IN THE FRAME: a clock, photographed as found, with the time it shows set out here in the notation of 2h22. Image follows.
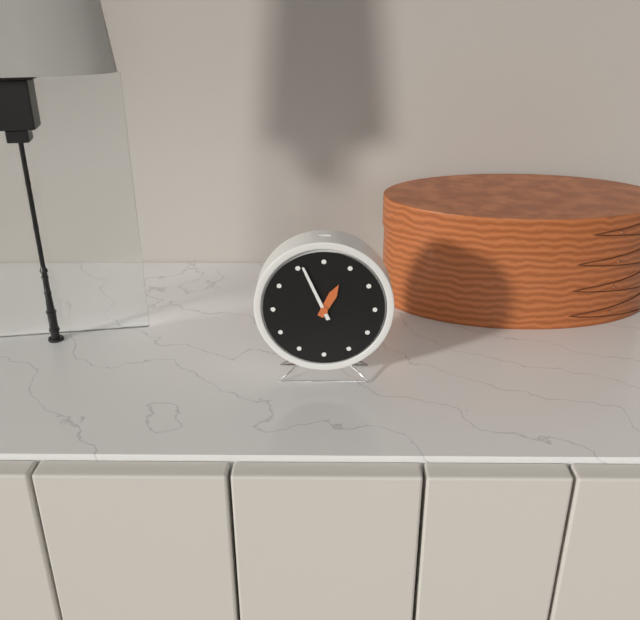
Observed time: 12h56
